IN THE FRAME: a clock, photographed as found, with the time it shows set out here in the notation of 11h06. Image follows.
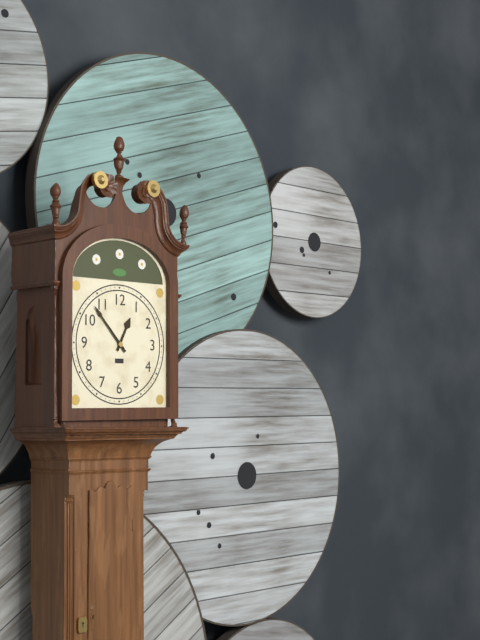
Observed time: 12h53
